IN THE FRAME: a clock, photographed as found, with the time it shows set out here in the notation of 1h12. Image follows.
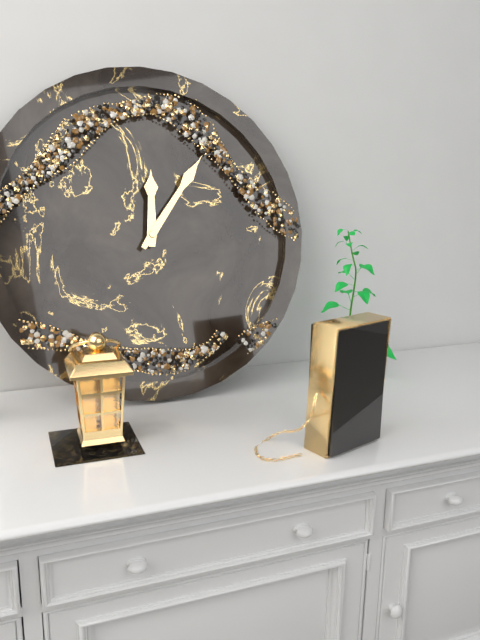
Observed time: 12h06
